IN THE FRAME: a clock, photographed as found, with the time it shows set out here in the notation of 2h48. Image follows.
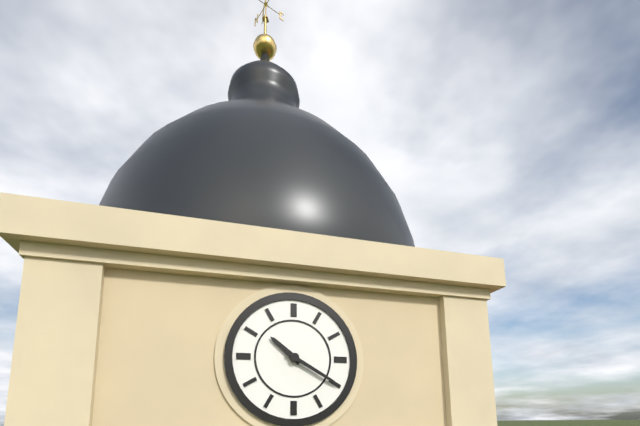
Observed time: 10h20
